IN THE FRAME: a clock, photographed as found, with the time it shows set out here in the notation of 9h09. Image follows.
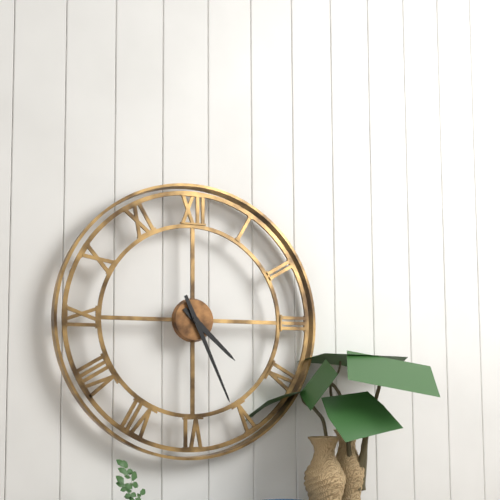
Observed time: 4h26
